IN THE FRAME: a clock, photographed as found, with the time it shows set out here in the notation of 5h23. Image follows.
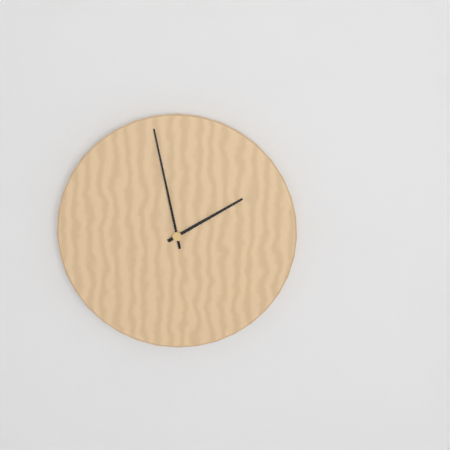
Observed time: 1h58
